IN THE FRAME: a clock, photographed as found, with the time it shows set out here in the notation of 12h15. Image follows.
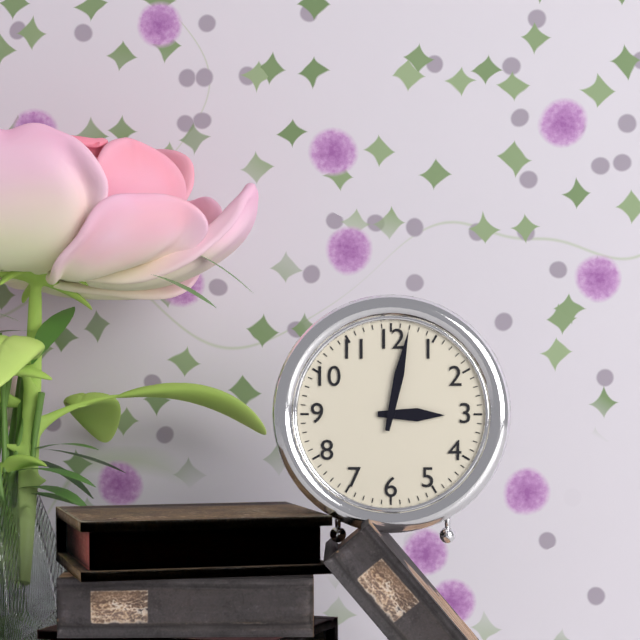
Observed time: 3h02
